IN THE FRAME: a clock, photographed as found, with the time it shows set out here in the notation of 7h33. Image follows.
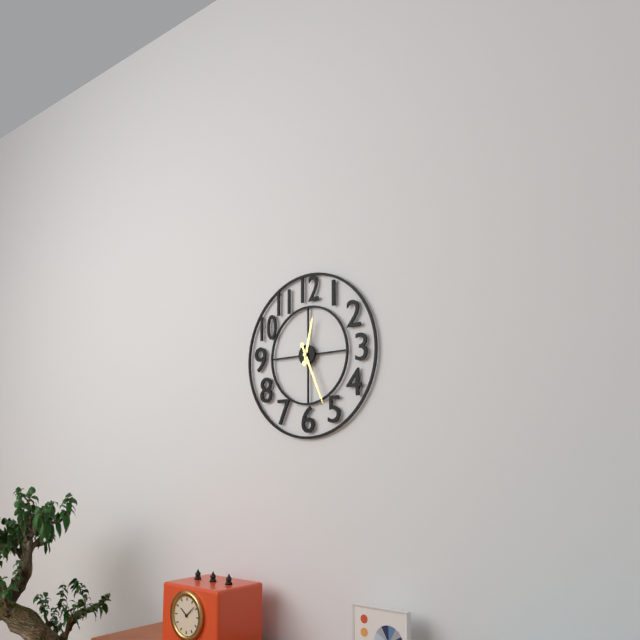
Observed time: 12h26
